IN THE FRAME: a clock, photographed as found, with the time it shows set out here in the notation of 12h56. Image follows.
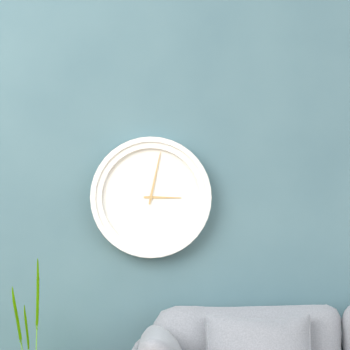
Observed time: 3h02
